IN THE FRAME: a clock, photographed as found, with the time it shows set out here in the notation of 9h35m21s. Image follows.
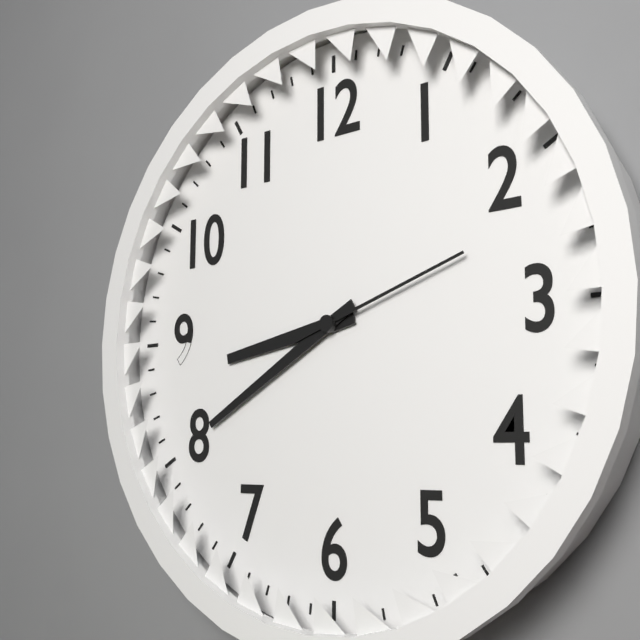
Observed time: 8h40m12s
